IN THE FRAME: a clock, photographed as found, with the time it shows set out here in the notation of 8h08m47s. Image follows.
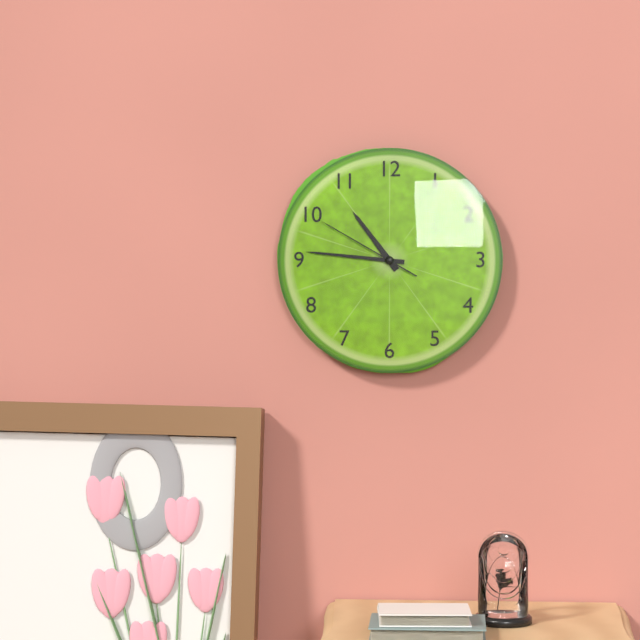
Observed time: 10h46m50s
